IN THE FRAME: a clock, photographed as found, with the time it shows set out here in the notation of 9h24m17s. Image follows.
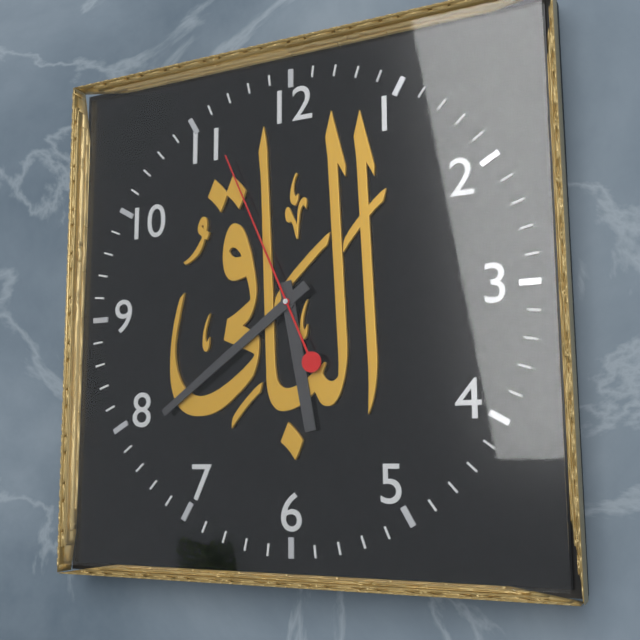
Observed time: 5h39m56s
